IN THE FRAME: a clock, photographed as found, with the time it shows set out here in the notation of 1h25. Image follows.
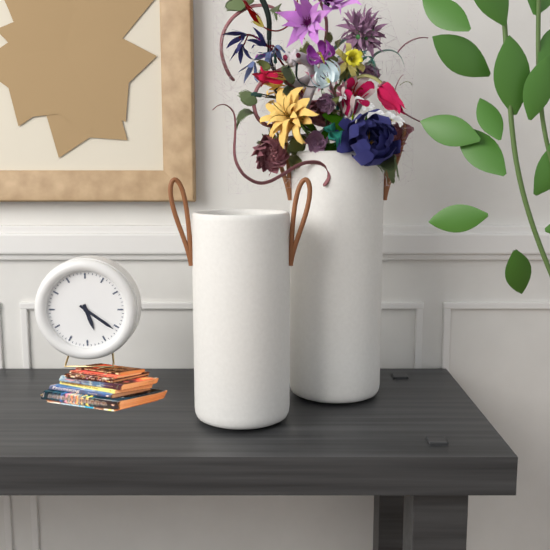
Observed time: 5h21
